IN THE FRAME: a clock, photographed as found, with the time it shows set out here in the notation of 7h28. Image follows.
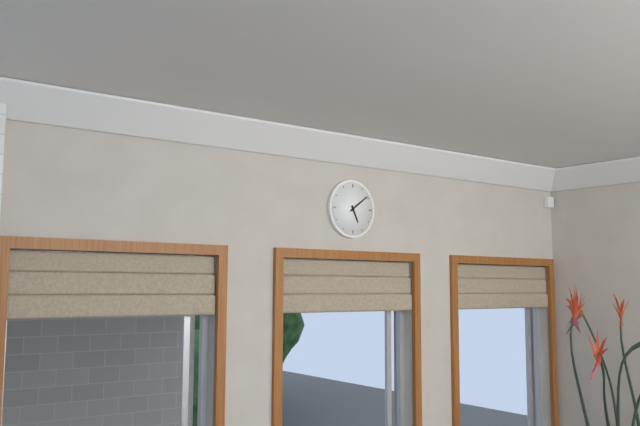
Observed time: 5h09
